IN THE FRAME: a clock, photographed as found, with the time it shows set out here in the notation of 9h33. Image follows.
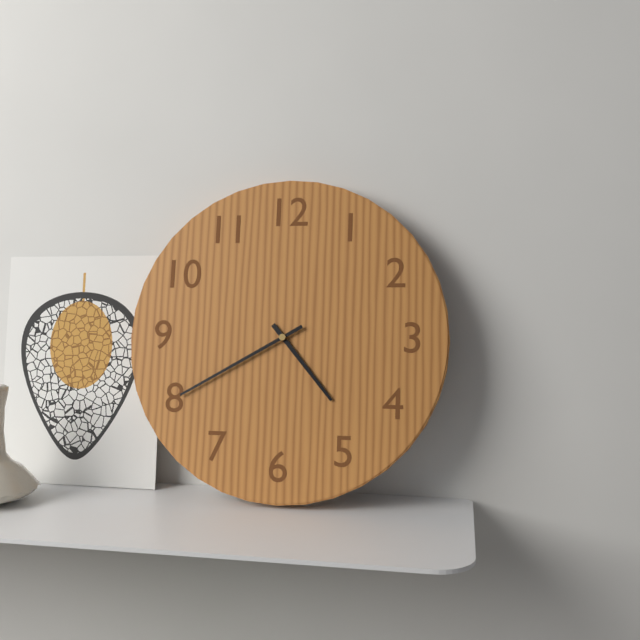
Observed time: 4h40
